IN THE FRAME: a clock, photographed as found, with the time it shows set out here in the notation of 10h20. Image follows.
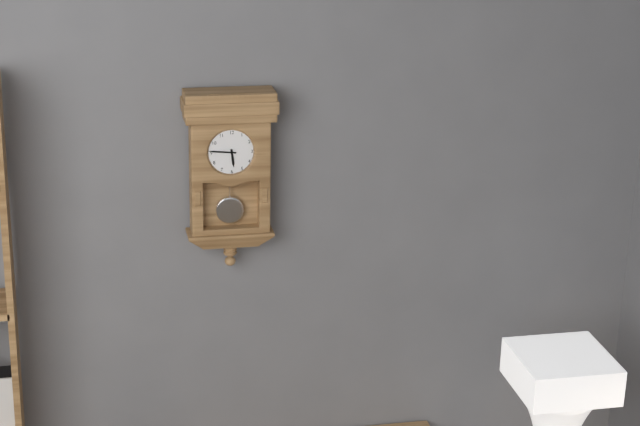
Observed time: 5h46
